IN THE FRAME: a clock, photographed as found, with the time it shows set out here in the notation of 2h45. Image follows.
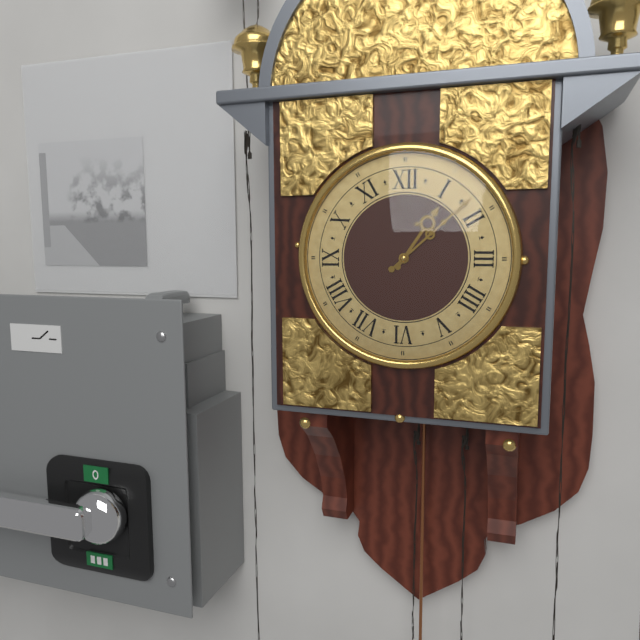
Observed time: 1h08
